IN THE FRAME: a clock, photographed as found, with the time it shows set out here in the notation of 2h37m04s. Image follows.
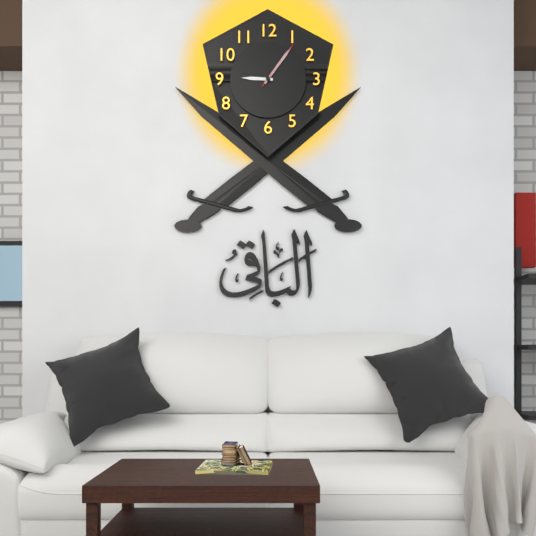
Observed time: 9h06m06s
